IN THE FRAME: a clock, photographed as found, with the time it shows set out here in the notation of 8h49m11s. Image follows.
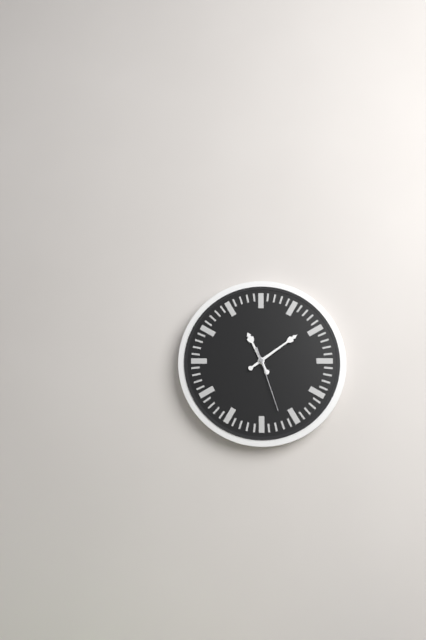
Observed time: 11h09m27s
